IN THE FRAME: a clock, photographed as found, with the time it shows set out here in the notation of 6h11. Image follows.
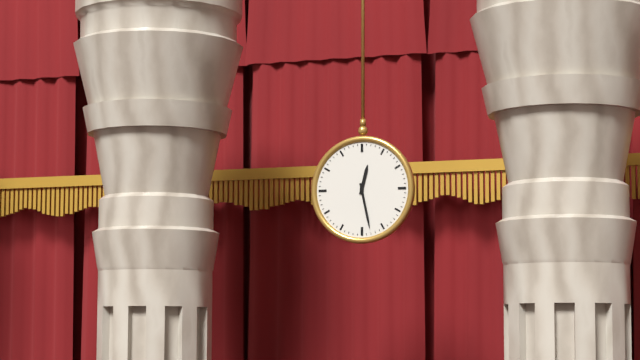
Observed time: 12h28
